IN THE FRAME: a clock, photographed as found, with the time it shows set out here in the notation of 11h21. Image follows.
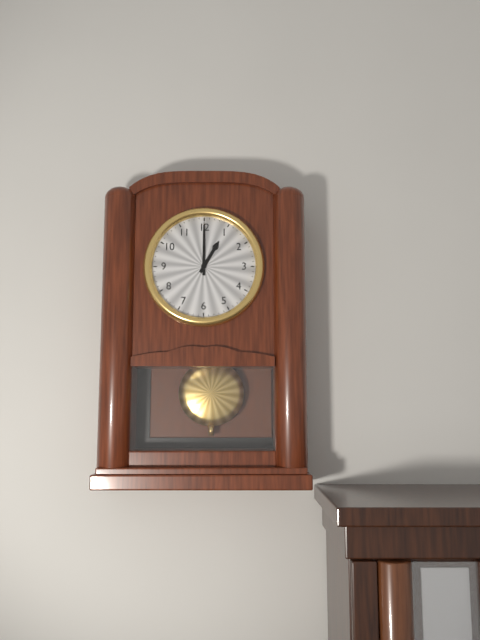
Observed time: 1h00
